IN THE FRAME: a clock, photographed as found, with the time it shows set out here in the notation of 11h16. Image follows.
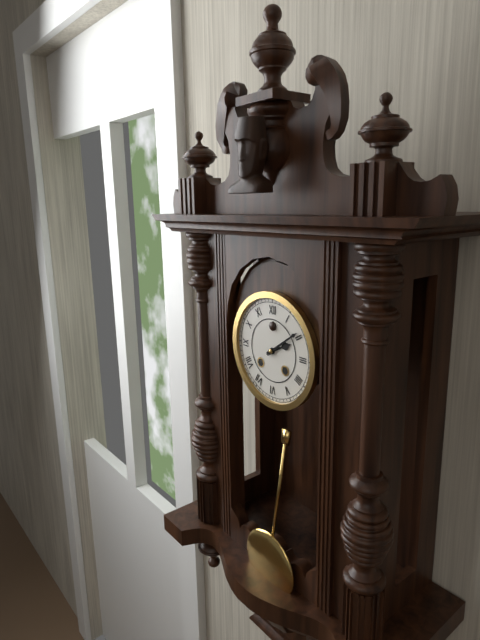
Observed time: 2h09
